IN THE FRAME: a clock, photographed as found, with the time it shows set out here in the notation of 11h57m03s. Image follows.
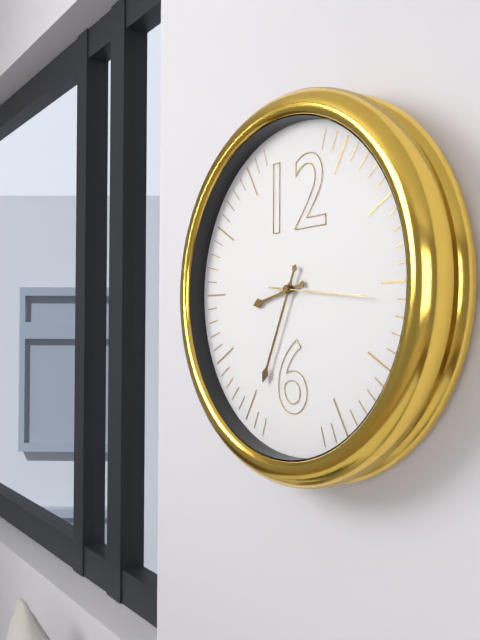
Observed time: 8h34m16s
